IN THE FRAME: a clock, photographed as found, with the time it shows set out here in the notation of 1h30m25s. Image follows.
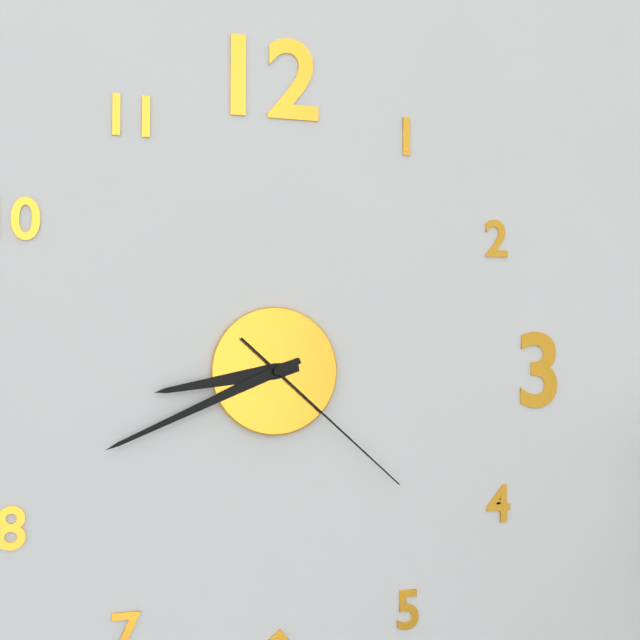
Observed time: 8h41m22s
